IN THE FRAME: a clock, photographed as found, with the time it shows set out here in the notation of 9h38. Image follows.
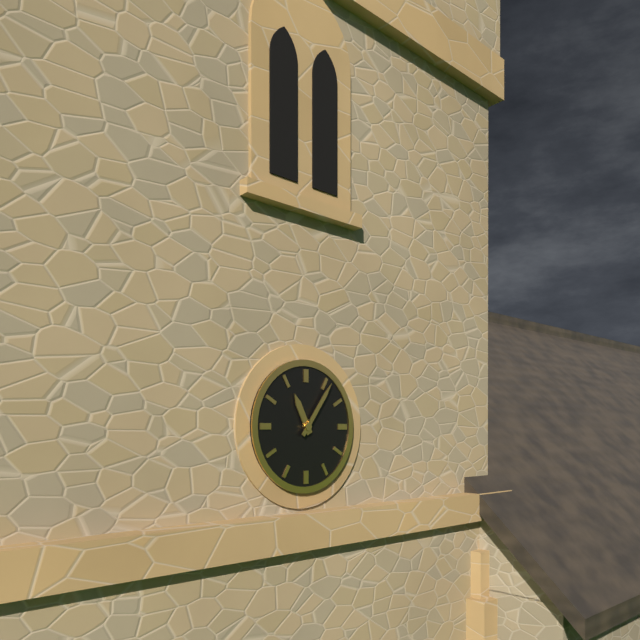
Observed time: 11h06
